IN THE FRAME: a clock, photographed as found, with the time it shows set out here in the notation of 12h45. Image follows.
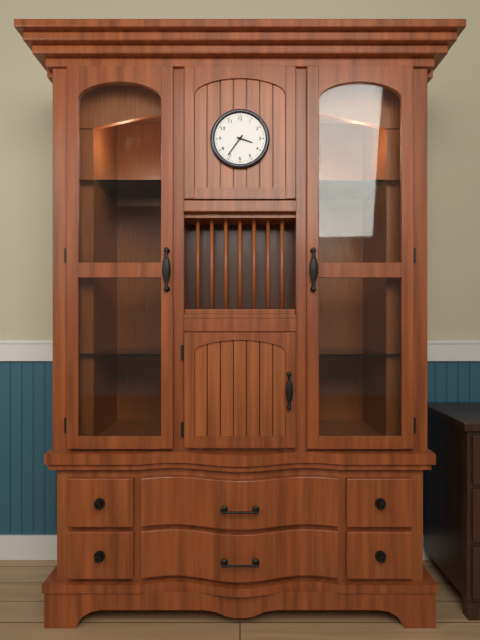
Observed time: 3h36
